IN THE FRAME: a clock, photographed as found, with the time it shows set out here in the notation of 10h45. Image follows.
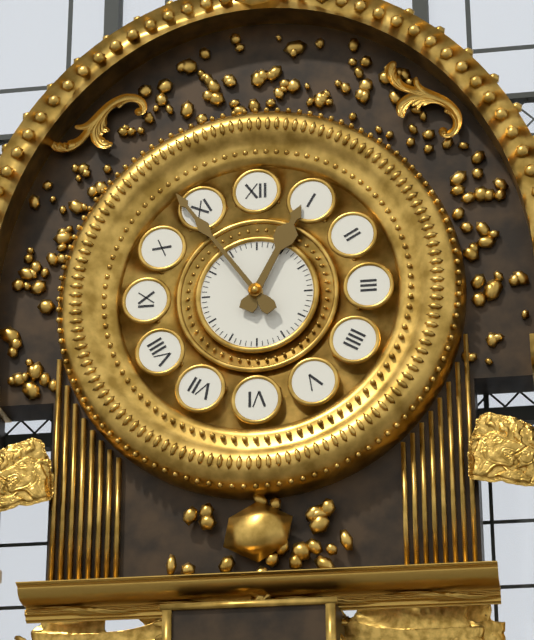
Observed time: 12h54
